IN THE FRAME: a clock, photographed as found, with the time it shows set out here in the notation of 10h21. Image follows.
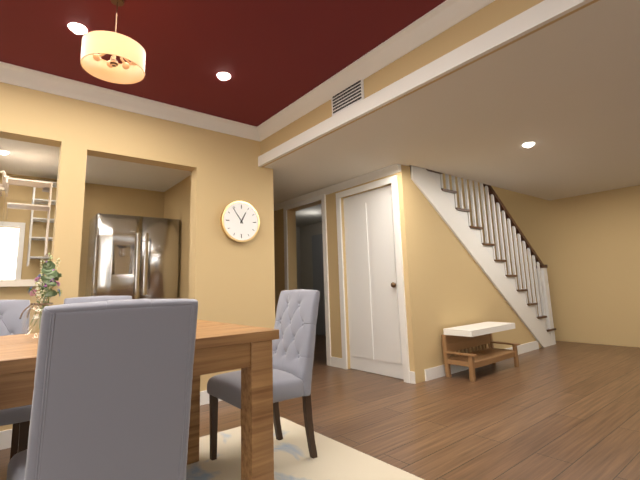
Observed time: 12h54
